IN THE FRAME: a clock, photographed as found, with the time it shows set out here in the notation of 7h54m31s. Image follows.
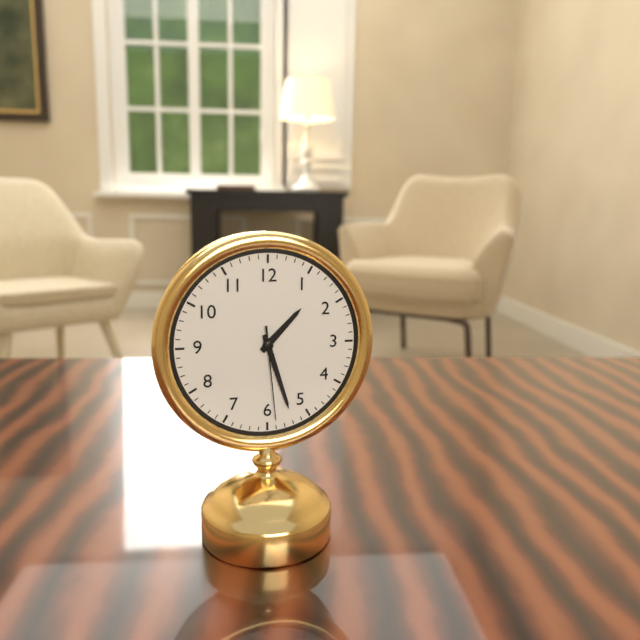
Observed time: 1h27m29s
